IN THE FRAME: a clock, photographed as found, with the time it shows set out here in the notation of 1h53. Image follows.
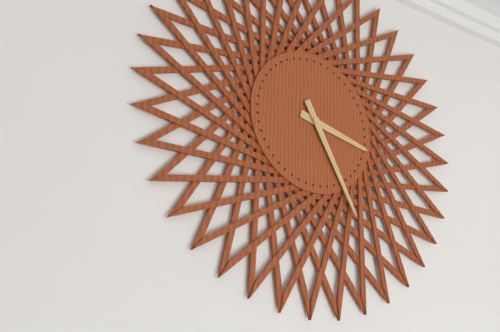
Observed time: 3h25
